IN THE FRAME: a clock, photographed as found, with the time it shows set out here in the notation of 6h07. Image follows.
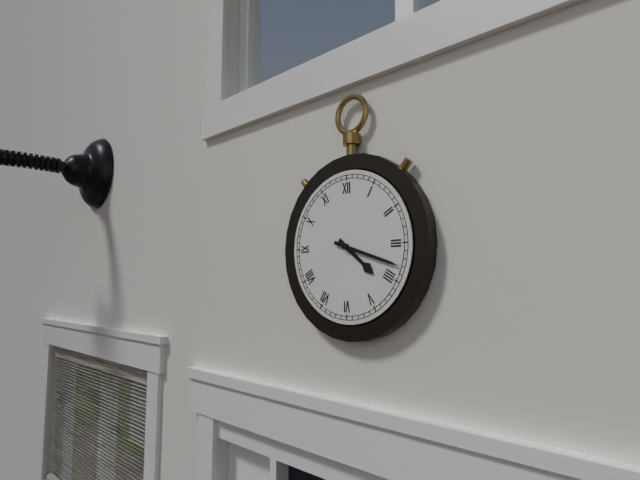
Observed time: 4h18
